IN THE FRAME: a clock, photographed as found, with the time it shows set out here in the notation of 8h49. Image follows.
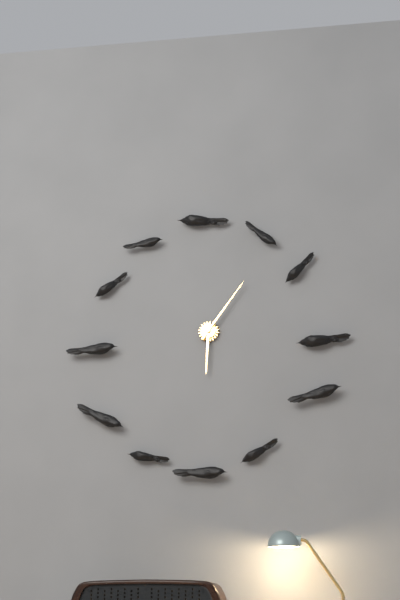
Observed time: 6h06
